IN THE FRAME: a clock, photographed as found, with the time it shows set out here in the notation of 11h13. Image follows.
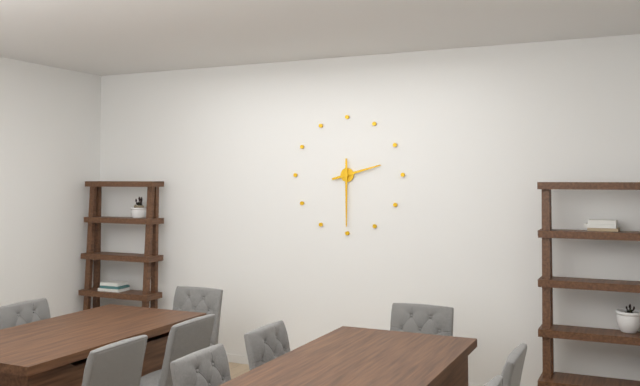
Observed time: 2h30
